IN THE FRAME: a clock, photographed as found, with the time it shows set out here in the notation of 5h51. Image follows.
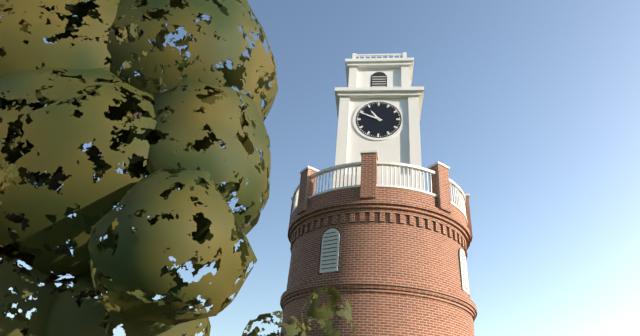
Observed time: 10h49
